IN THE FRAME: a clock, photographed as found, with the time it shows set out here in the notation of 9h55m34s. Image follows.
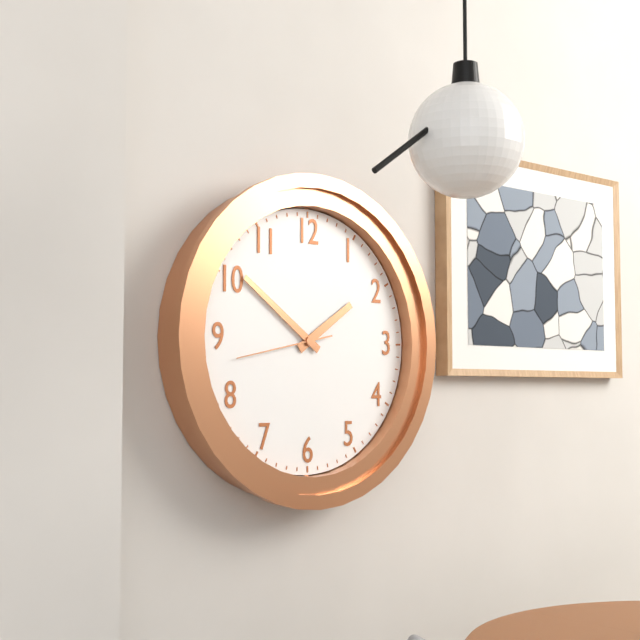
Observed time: 1h51m43s
